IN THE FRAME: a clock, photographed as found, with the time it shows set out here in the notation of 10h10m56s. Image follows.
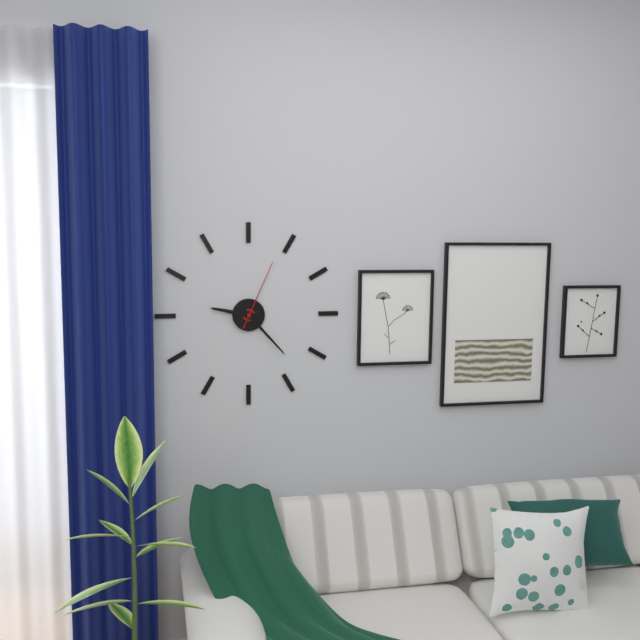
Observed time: 9h23m04s
